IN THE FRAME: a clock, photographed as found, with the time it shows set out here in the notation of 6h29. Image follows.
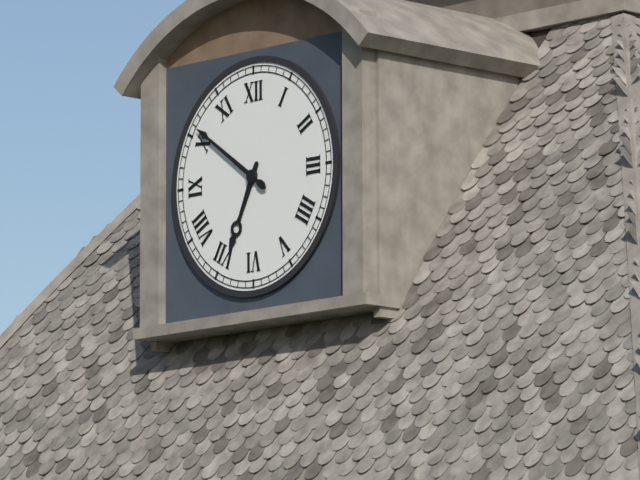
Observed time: 6h51
